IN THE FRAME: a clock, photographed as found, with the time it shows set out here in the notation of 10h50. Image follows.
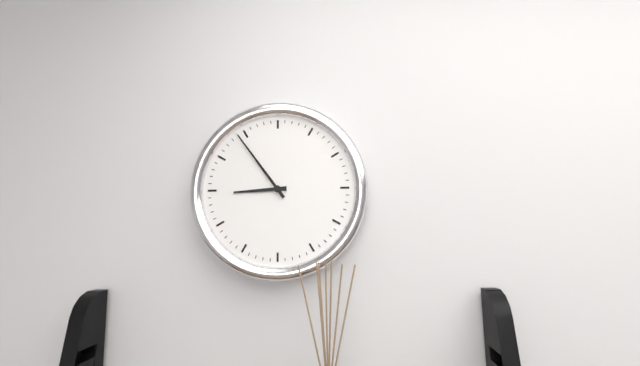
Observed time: 8h54
